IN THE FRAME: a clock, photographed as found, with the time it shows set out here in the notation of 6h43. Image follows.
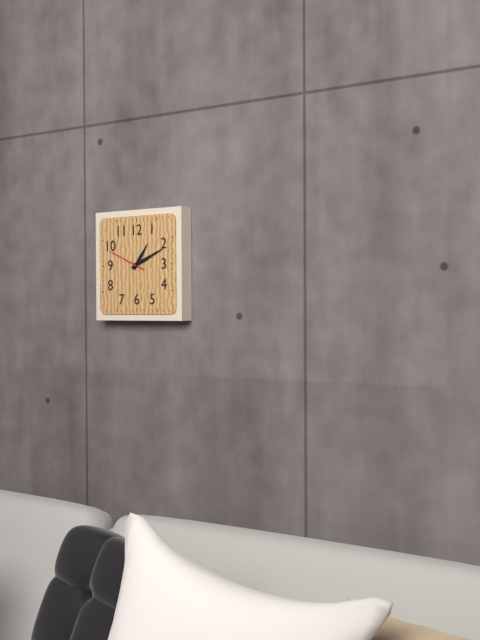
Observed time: 1h11
